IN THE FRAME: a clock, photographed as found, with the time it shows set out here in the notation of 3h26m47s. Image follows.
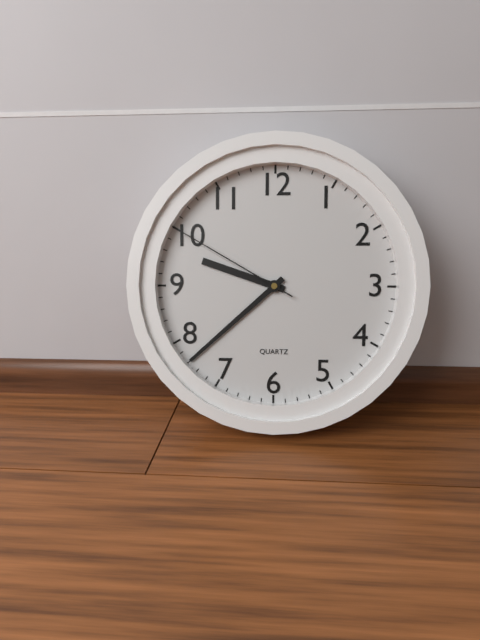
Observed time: 9h38m50s
